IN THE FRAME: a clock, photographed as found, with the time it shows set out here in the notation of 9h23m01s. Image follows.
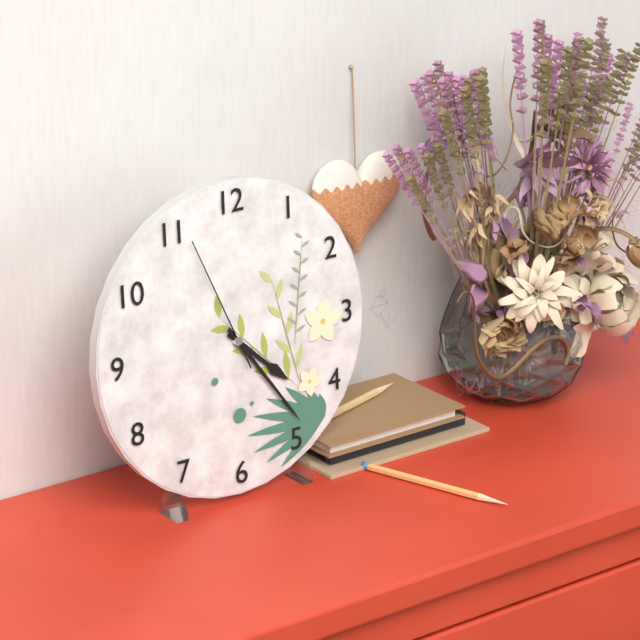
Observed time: 4h24m56s
